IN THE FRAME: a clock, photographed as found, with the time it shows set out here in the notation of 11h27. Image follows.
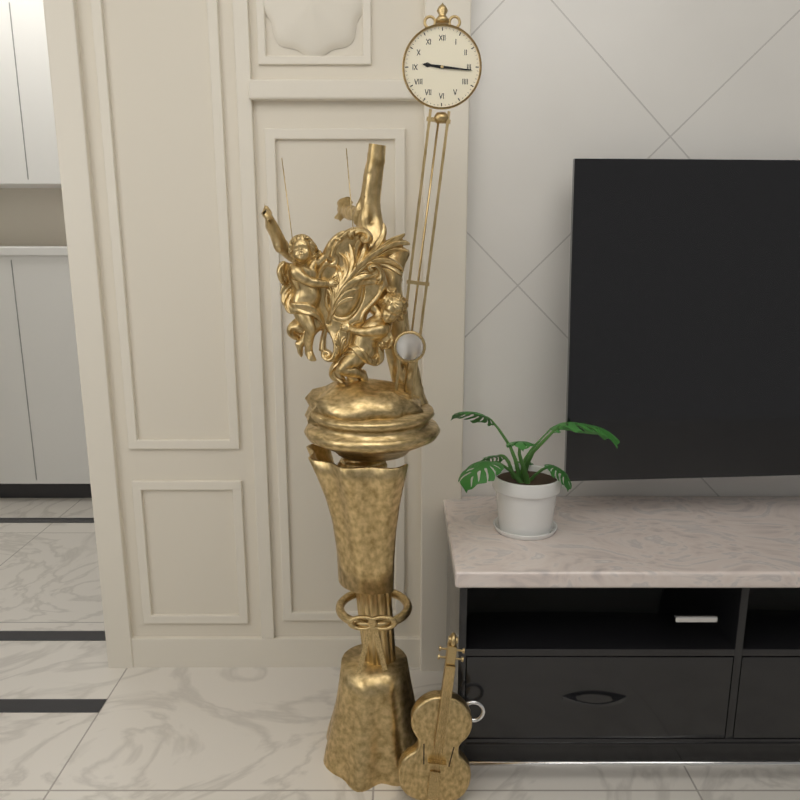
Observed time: 9h16
